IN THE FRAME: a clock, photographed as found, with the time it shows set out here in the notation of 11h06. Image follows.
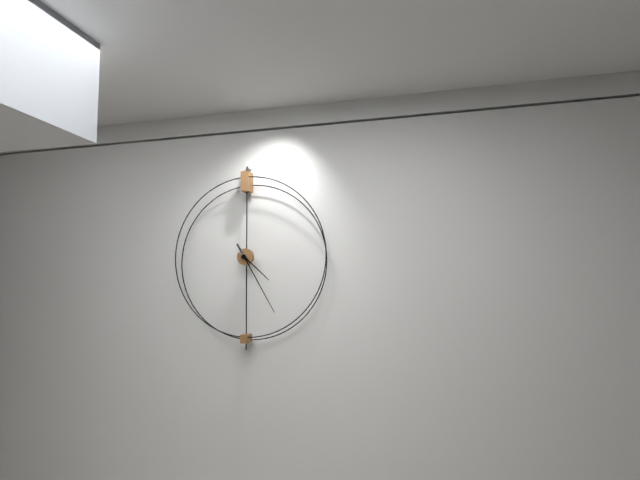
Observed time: 4h25
